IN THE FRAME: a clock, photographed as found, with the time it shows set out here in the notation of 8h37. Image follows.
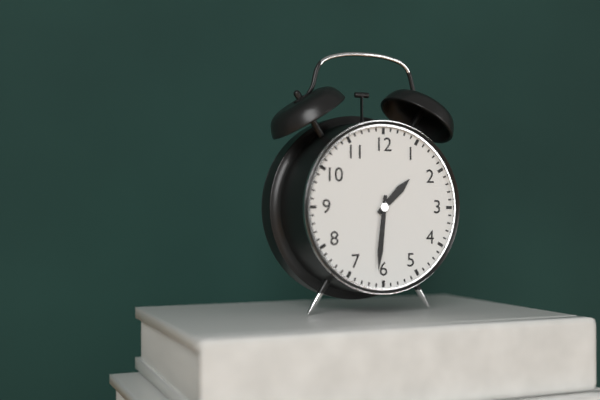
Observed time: 1h31
